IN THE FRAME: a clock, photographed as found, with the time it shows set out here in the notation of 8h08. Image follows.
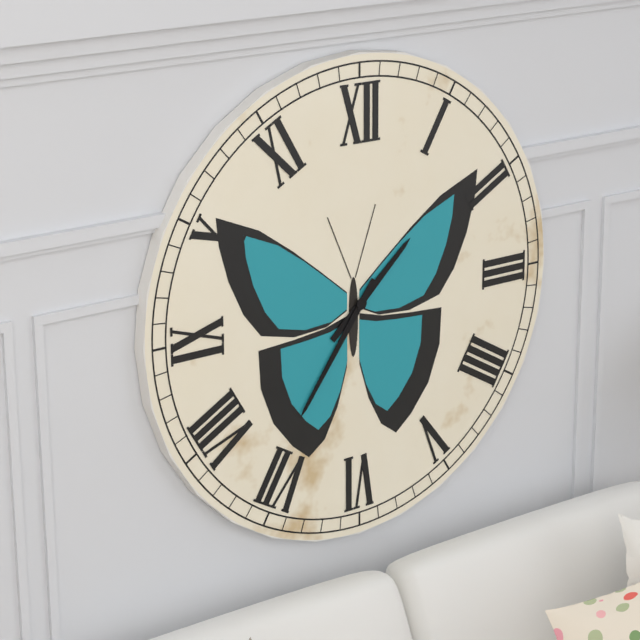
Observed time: 1h36
